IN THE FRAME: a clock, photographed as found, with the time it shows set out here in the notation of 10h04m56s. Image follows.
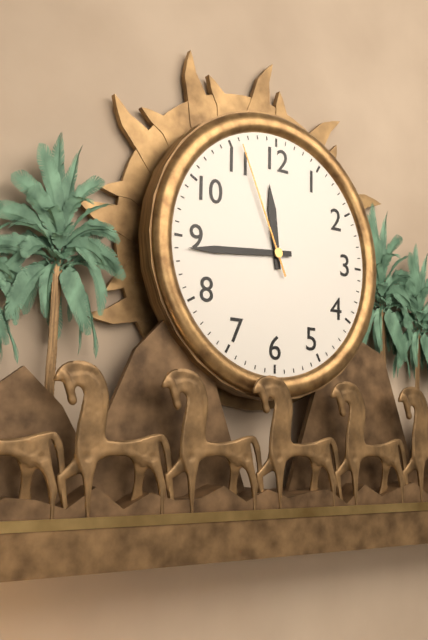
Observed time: 11h44m56s
